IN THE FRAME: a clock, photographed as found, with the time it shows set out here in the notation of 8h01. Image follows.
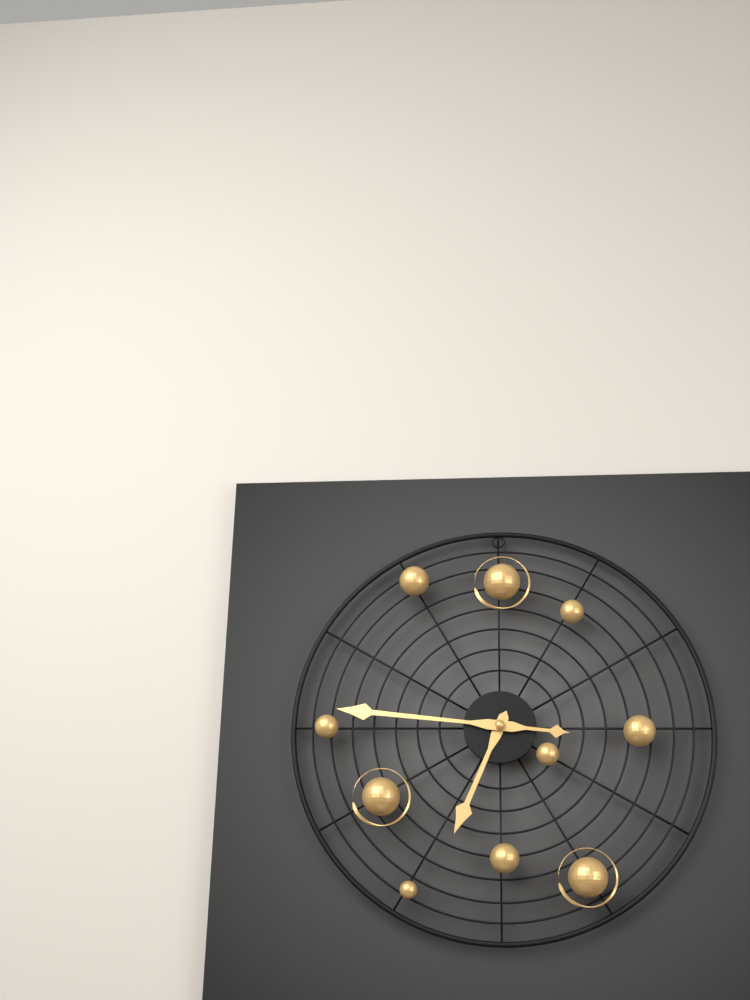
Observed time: 6h46
